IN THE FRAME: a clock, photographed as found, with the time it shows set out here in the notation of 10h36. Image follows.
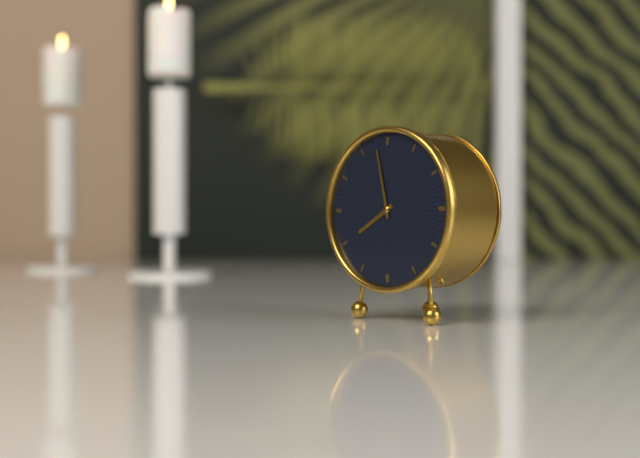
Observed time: 7h58
